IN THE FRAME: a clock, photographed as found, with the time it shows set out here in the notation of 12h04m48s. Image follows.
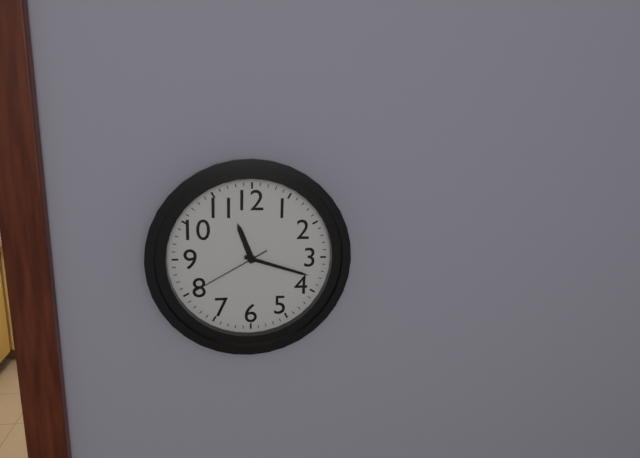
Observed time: 11h18m40s
